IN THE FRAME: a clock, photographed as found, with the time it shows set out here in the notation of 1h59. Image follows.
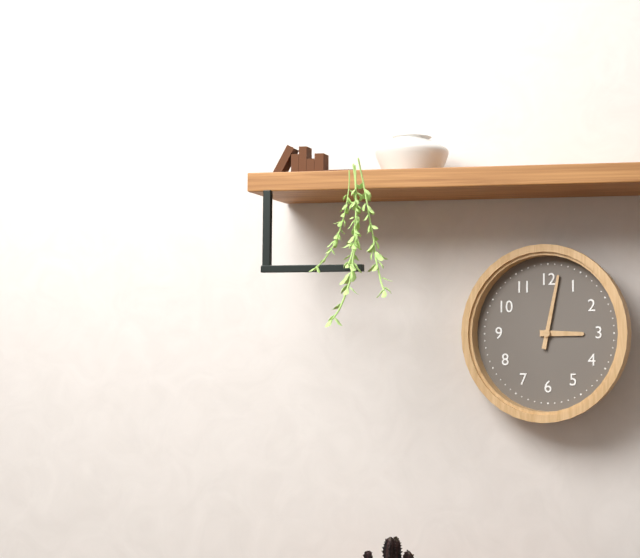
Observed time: 3h02
